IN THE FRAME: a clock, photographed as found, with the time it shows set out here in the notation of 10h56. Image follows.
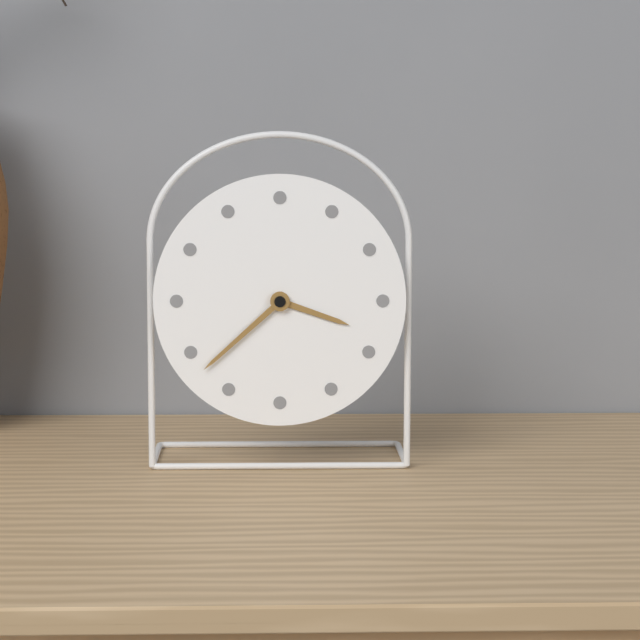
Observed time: 3h38
